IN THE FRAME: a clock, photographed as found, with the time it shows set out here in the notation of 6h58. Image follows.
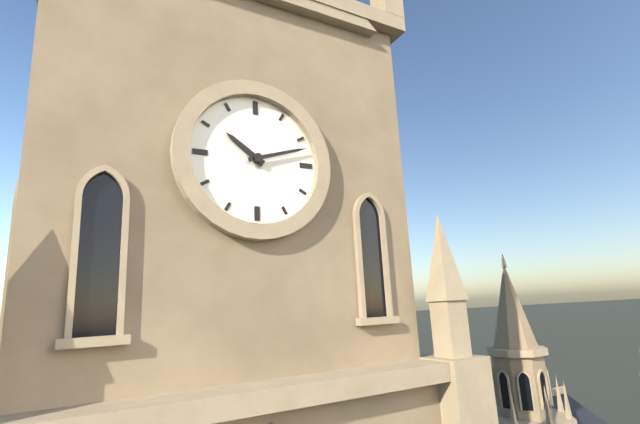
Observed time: 10h12
